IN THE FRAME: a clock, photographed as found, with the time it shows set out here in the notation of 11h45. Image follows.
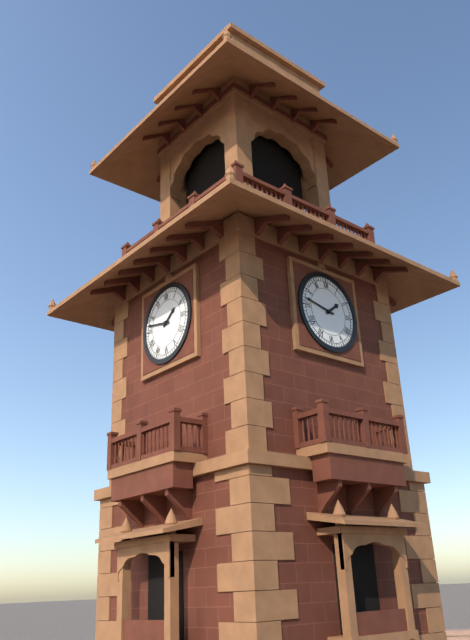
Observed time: 1h47
